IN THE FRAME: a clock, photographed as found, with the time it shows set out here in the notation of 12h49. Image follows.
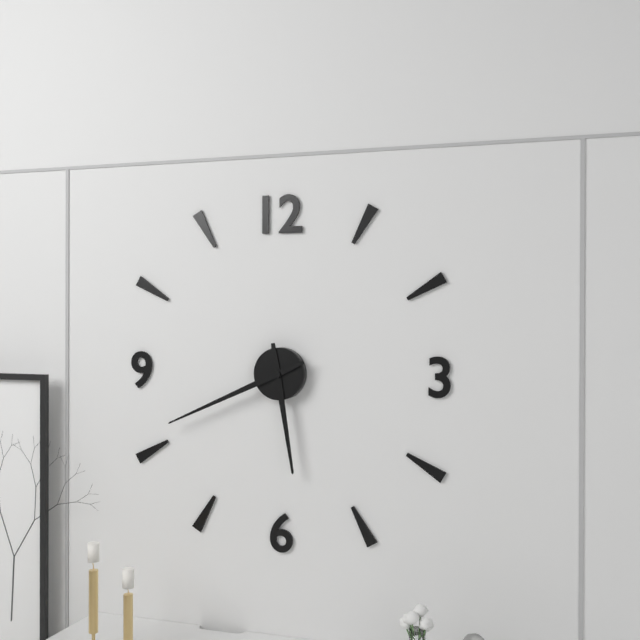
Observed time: 5h41
